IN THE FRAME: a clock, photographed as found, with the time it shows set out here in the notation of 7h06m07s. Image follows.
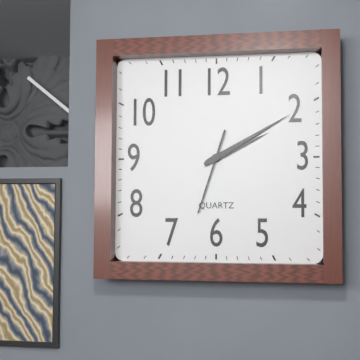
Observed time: 2h10m33s
